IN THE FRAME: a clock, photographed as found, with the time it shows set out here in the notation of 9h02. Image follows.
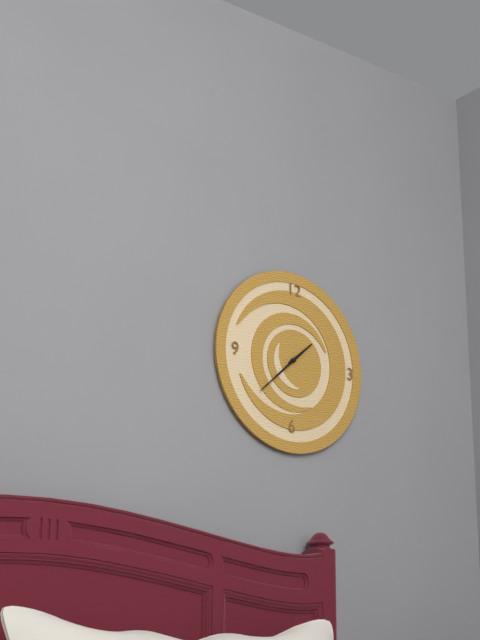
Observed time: 1h38
